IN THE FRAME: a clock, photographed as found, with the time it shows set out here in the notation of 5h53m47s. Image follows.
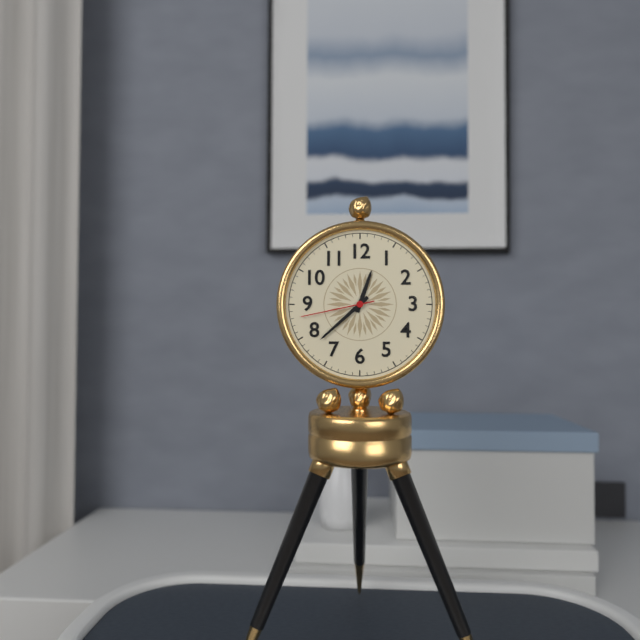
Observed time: 12h38m43s
